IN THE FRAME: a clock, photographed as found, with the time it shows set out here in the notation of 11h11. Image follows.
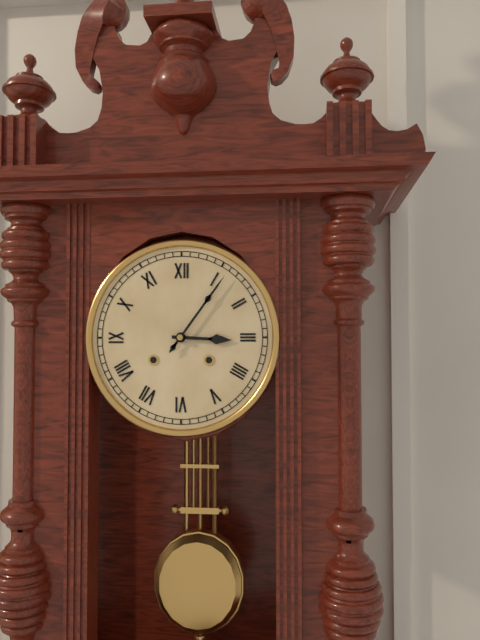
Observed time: 3h06
